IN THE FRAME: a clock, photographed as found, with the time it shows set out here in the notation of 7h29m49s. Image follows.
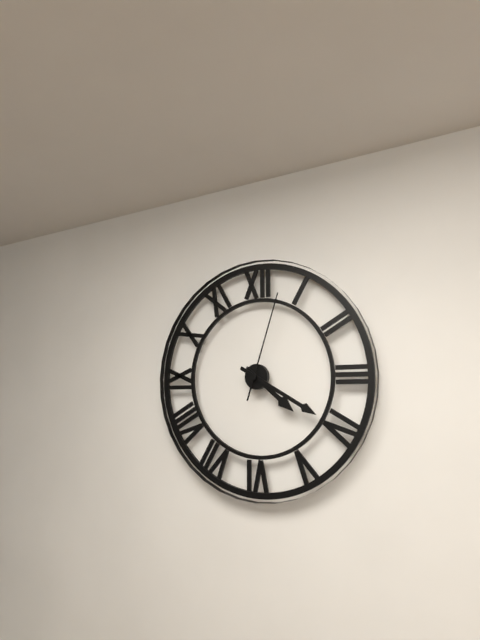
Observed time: 4h20m03s
